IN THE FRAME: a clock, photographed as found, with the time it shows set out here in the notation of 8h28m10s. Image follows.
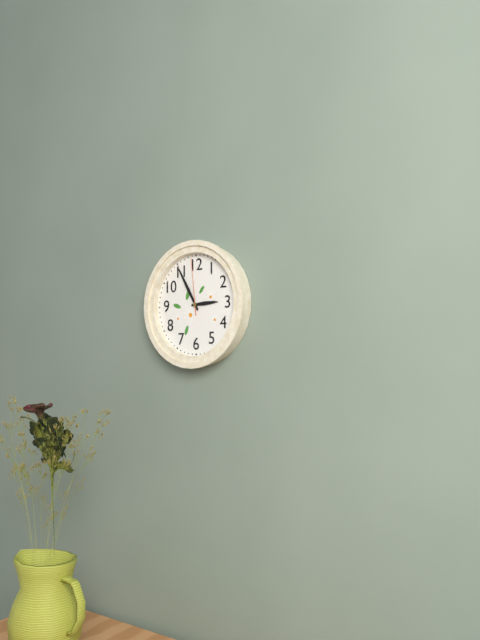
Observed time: 2h55m59s
